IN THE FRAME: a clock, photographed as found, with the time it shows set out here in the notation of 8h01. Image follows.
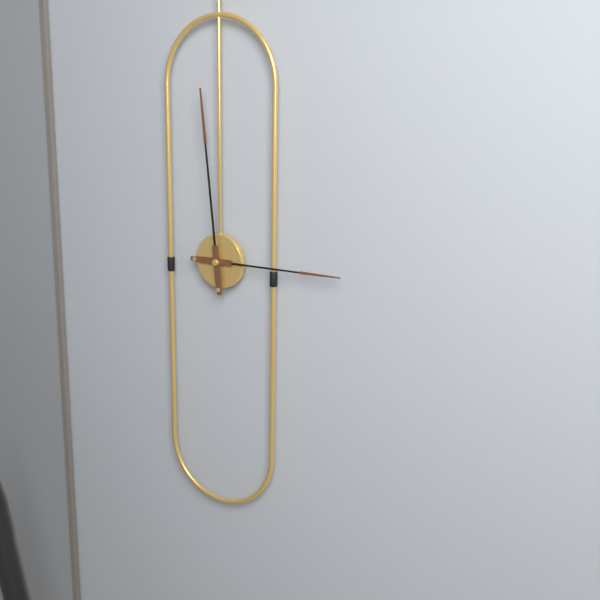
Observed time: 2h59
